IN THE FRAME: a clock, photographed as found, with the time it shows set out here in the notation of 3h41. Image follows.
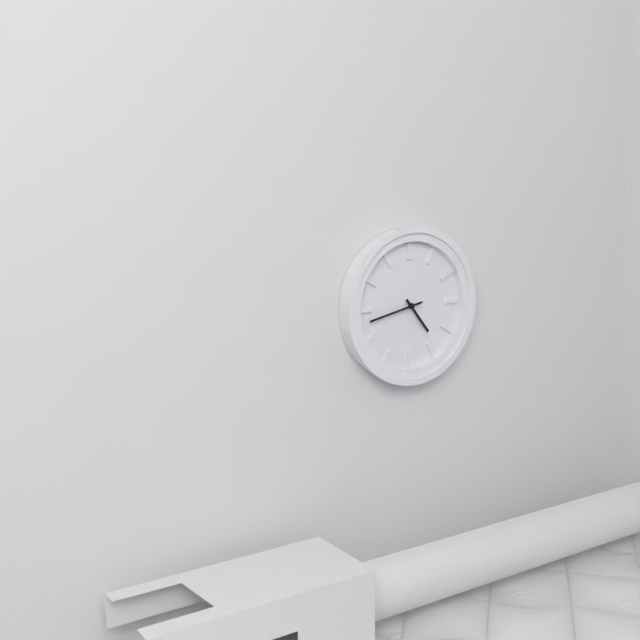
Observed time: 4h43
